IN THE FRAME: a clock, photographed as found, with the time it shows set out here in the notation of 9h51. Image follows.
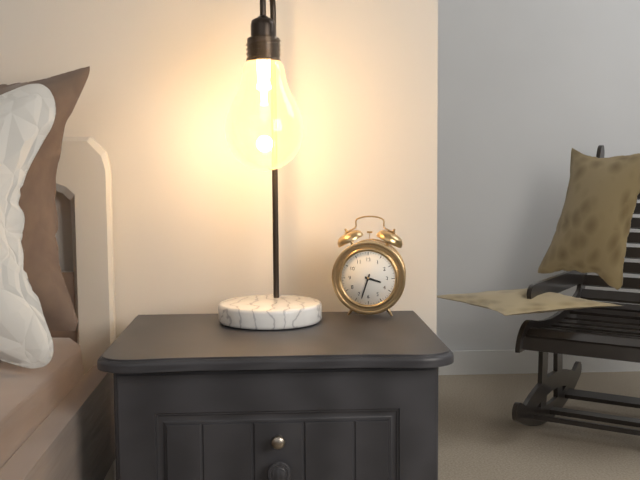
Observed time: 3h33
